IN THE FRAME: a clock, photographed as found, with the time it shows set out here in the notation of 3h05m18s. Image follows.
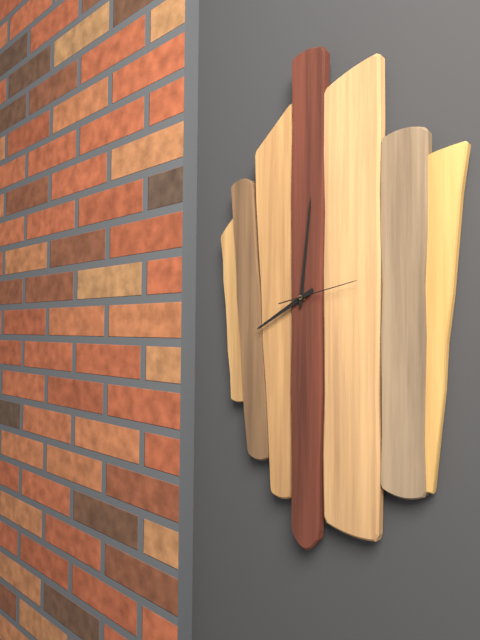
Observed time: 8h01m13s
